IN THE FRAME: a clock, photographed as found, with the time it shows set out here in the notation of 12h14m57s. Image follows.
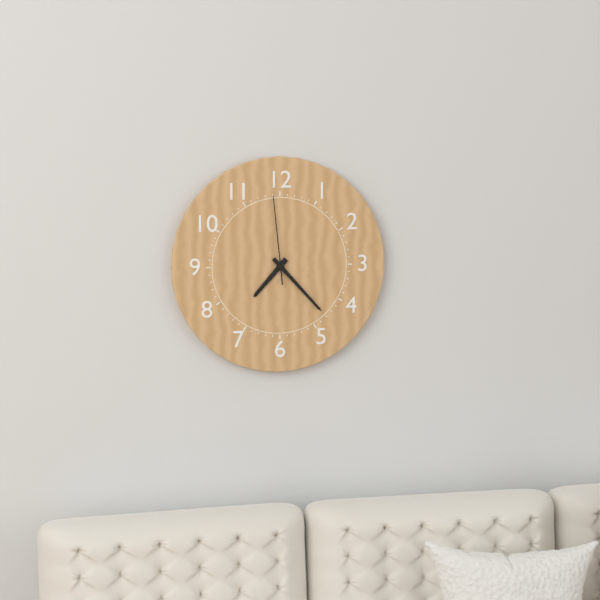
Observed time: 7h23m59s
